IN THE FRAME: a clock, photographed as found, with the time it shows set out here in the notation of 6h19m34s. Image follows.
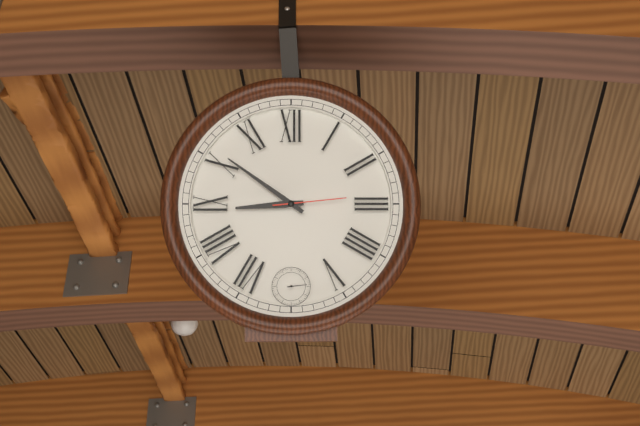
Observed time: 8h51m14s
